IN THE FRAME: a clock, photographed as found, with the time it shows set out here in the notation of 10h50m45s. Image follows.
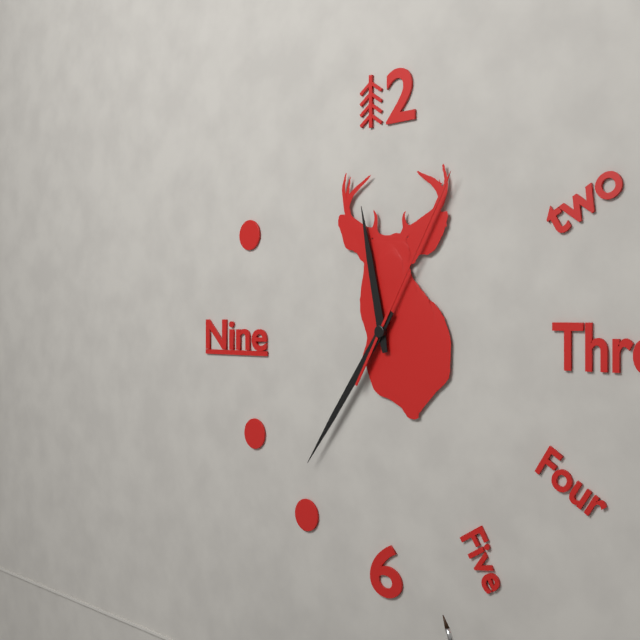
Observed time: 11h36m05s
